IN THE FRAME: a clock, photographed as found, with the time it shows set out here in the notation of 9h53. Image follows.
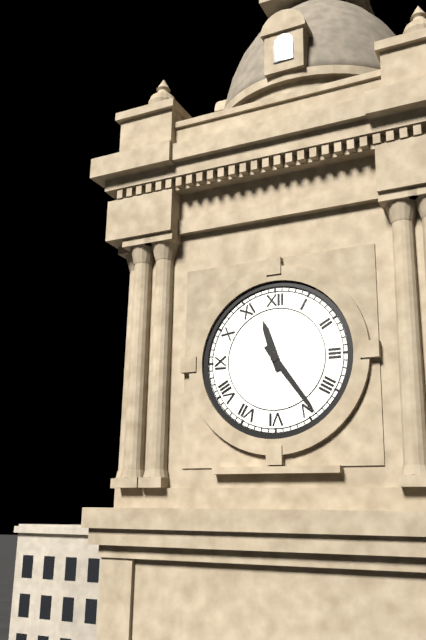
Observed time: 11h24
